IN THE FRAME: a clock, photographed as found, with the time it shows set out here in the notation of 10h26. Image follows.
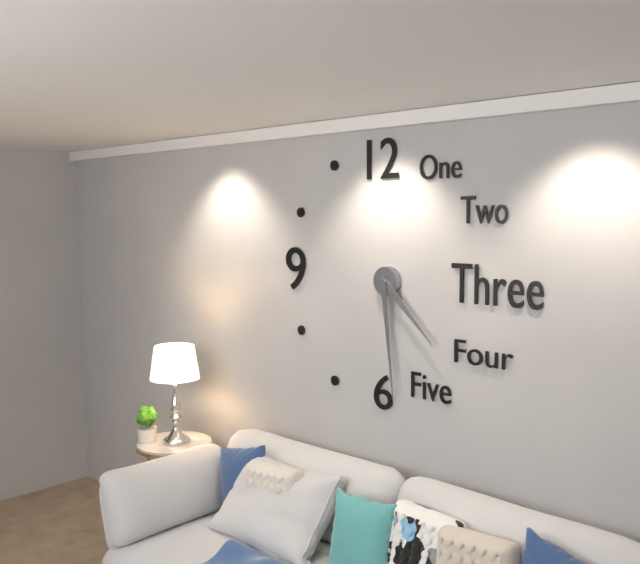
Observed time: 4h29
